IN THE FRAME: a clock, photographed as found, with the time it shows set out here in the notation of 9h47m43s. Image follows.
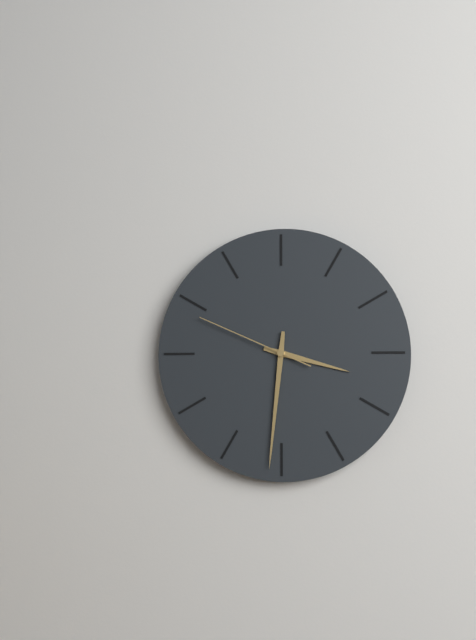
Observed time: 3h31m49s
